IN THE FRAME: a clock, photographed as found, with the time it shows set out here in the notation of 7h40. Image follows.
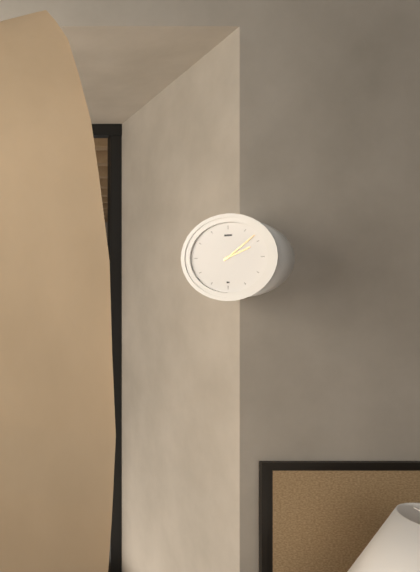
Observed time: 2h08
